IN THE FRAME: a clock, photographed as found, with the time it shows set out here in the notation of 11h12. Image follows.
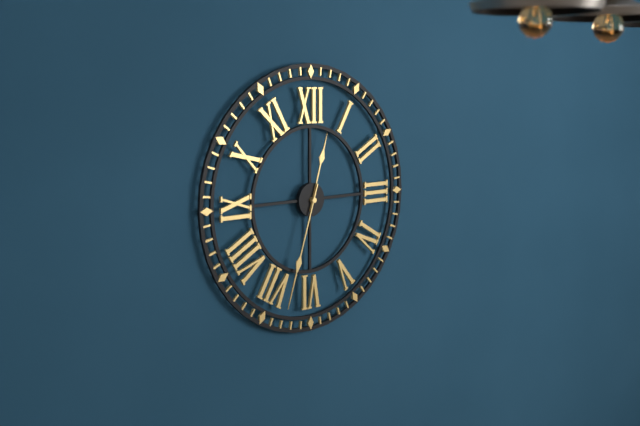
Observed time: 12h33
